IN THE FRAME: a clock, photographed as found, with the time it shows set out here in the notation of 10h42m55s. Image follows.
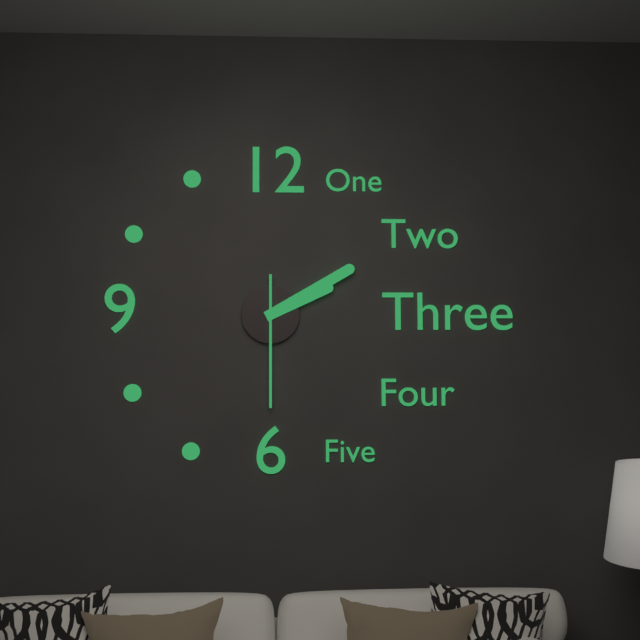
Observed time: 2h10m30s
